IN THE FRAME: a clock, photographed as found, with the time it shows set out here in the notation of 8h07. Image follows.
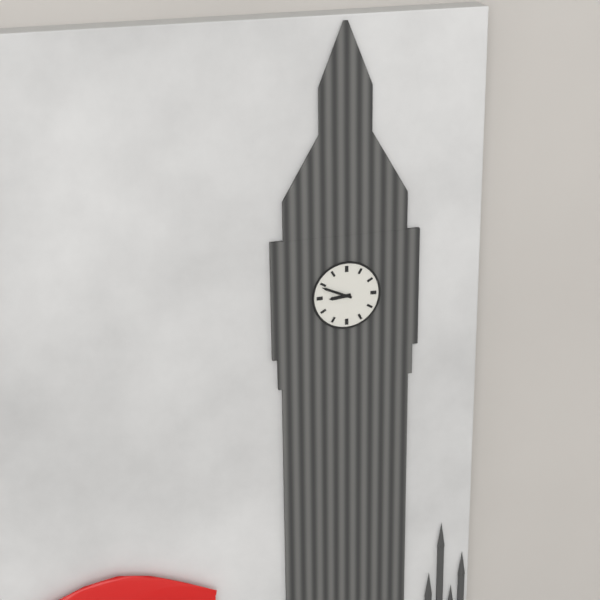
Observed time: 8h49
